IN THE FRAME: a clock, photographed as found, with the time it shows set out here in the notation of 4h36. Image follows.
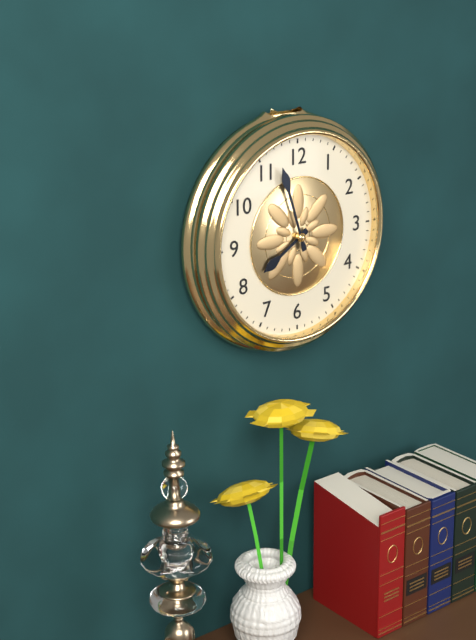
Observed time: 7h57
